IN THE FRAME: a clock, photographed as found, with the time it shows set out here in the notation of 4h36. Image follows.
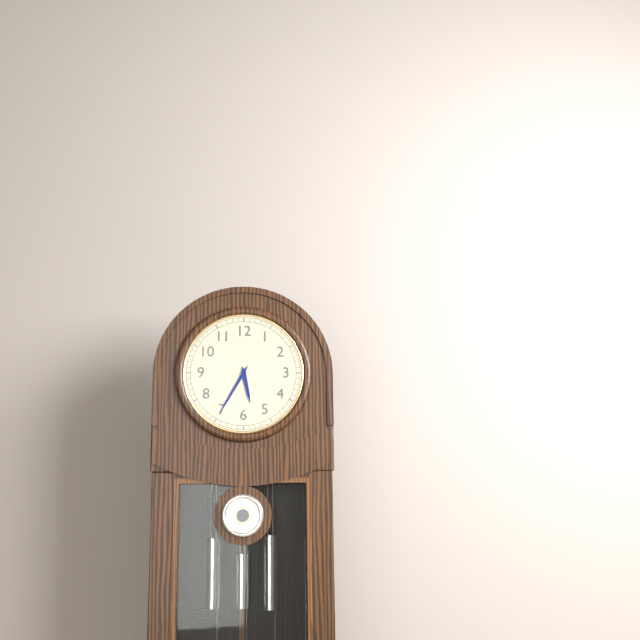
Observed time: 5h35
